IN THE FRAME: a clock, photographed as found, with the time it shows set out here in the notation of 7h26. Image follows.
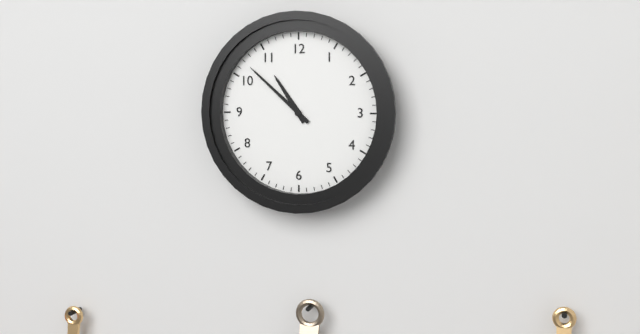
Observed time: 10h52
